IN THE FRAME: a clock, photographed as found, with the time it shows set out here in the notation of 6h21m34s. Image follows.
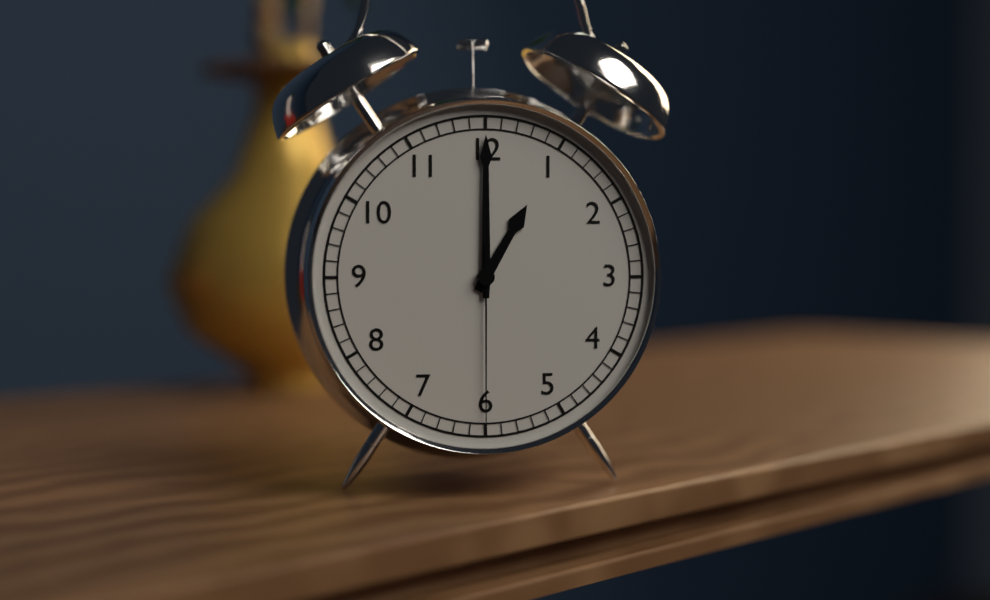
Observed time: 1h00m30s
